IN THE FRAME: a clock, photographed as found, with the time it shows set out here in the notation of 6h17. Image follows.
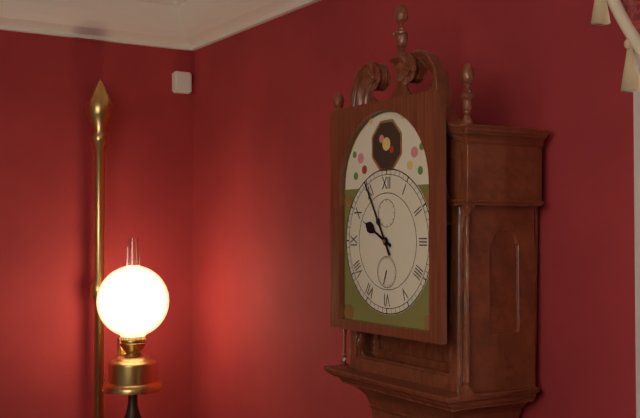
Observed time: 9h55
